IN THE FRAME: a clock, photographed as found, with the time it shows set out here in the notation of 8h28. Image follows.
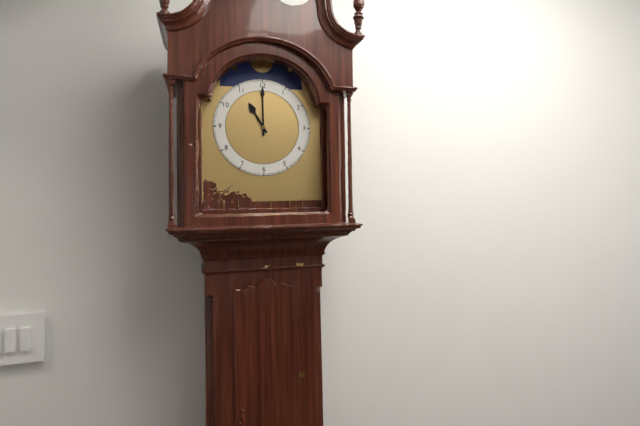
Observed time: 11h00
